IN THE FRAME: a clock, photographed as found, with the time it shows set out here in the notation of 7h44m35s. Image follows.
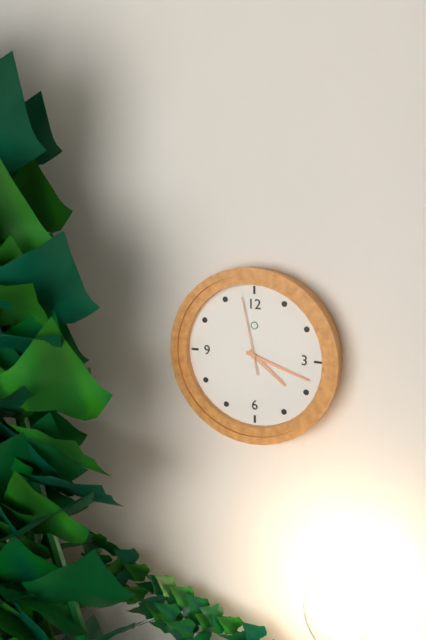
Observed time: 4h18m58s
